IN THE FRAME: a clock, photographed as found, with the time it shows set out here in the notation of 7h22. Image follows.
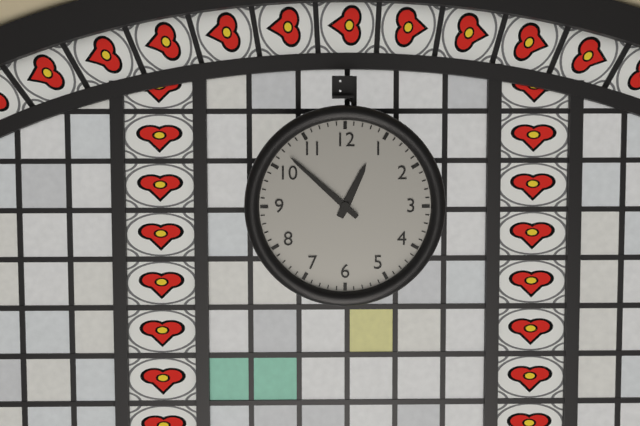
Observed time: 12h52
